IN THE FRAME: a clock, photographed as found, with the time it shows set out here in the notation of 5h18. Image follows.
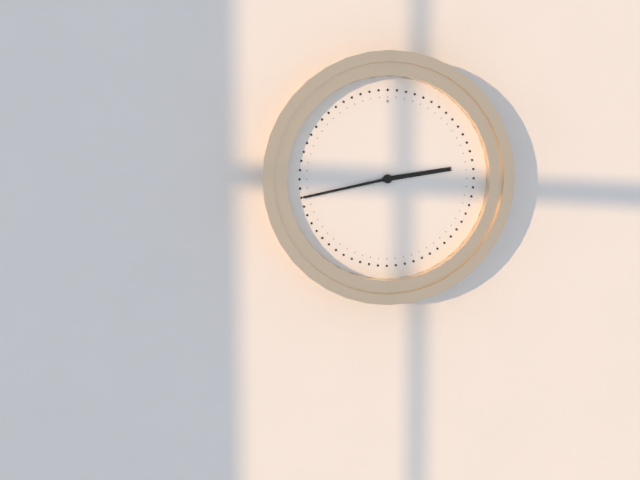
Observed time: 2h43
